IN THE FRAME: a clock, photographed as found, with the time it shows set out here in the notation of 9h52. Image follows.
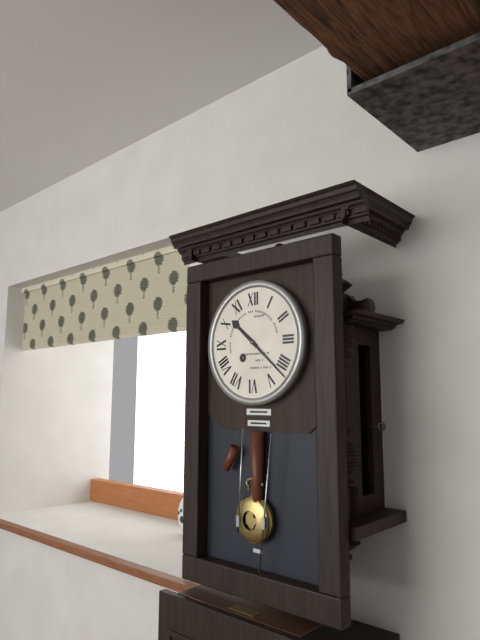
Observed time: 10h22
